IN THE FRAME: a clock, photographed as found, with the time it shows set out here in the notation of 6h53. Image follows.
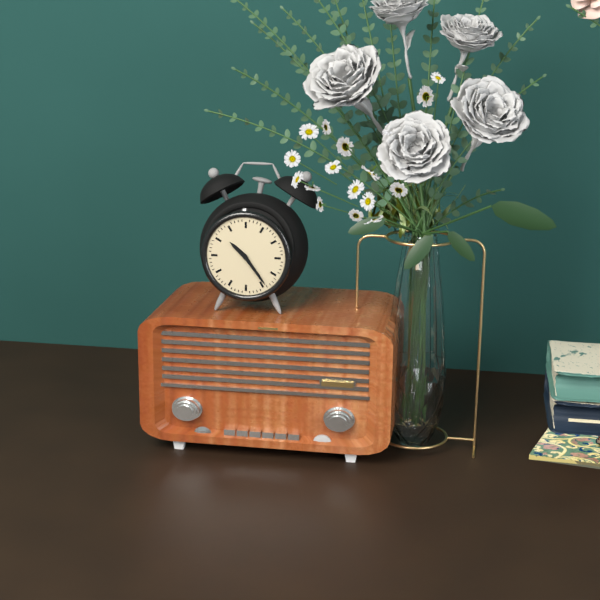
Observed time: 10h24
